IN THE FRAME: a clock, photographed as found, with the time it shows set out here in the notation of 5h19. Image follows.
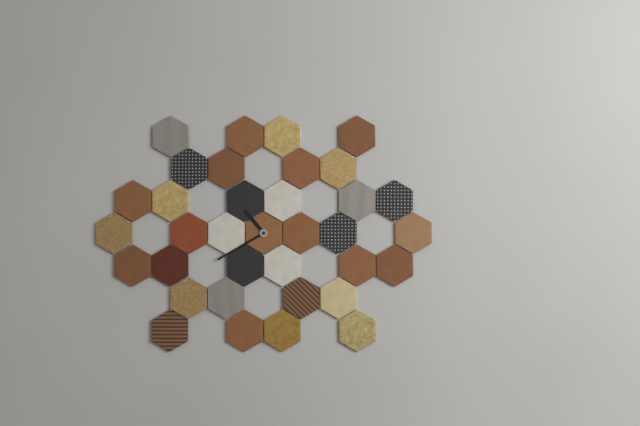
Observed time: 10h40
